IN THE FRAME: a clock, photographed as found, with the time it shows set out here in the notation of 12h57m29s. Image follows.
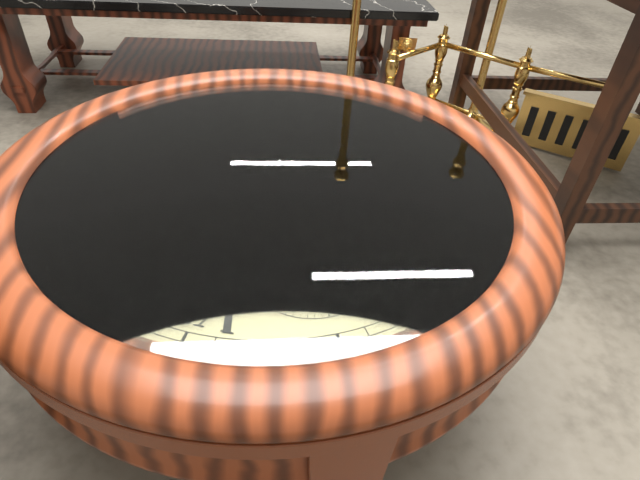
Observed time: 6h19m37s
